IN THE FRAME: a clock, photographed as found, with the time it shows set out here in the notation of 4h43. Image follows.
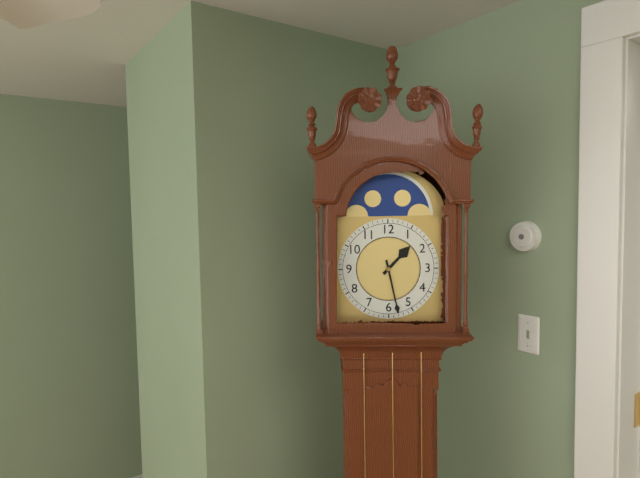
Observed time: 1h28
